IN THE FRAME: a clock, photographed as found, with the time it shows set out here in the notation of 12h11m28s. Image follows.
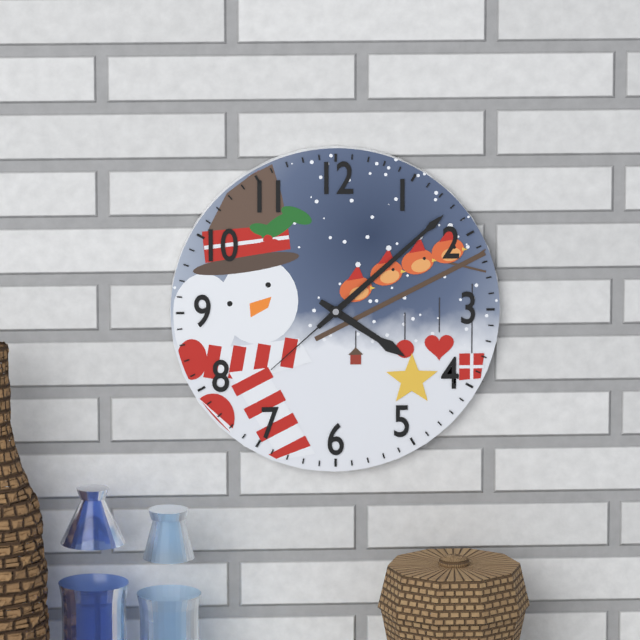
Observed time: 4h08m38s
